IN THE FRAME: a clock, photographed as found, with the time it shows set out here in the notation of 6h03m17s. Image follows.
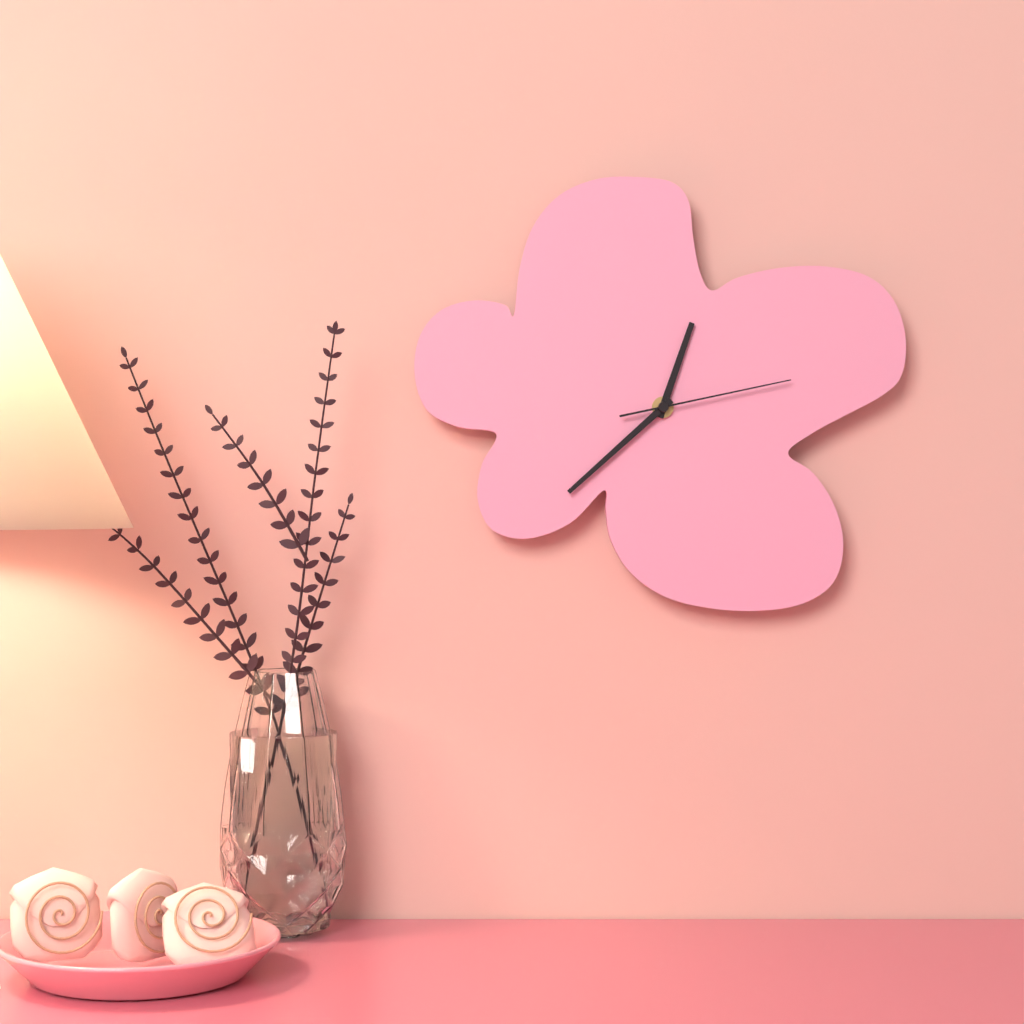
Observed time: 12h38m13s
